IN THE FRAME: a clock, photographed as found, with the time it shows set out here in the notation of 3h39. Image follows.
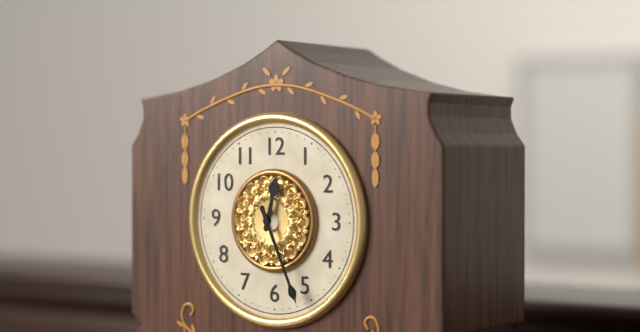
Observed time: 12h26
